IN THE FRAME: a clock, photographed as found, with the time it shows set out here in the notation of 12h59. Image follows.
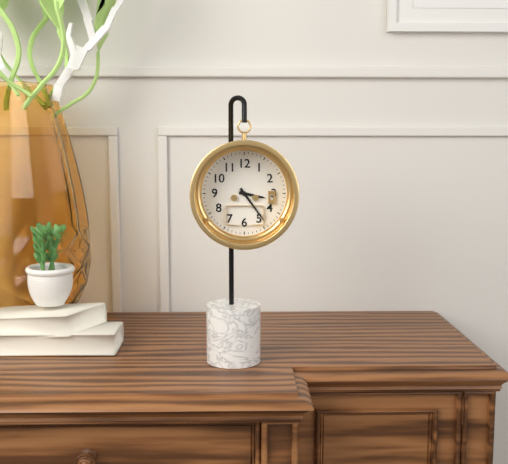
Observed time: 3h24
